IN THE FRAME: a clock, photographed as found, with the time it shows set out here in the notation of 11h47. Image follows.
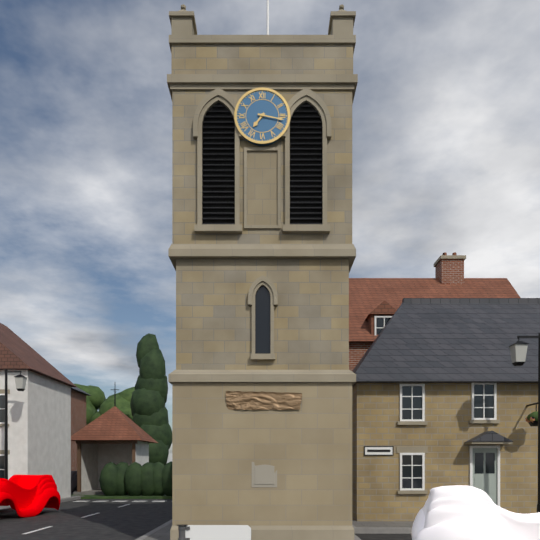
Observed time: 7h17
